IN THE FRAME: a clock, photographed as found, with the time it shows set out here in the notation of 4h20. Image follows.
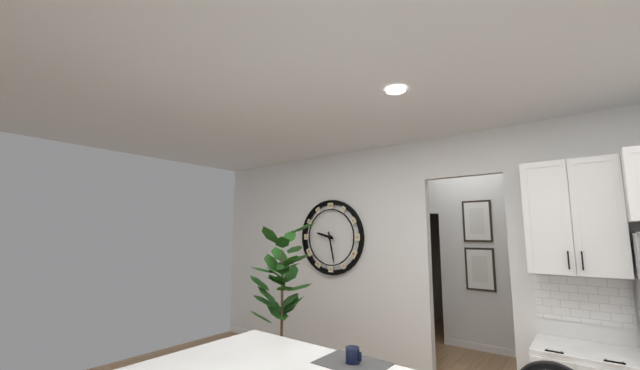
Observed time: 9h28
